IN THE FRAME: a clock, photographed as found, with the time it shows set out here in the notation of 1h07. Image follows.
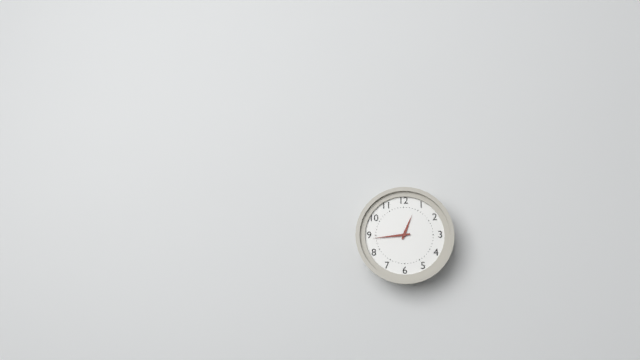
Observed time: 12h44
